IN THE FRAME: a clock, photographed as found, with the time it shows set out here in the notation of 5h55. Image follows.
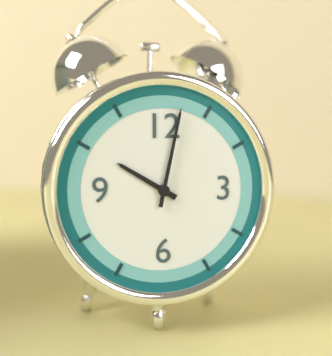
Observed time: 10h02
